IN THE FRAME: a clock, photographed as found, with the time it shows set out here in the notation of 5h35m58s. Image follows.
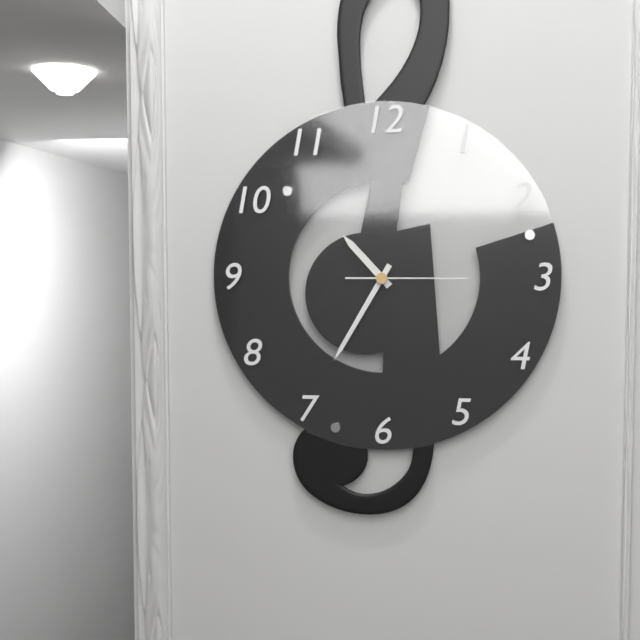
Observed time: 10h35m15s
